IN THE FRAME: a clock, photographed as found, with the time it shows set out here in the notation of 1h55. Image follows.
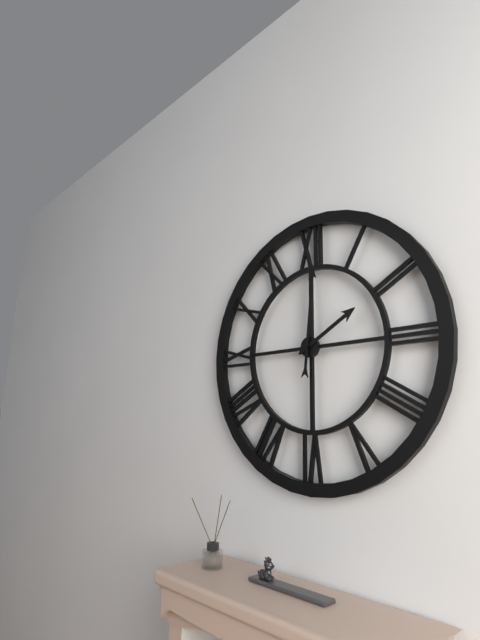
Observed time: 2h01
